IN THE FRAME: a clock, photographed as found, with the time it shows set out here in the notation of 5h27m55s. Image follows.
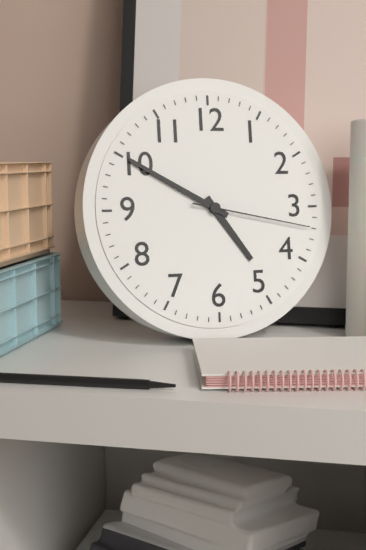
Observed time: 4h50m17s
